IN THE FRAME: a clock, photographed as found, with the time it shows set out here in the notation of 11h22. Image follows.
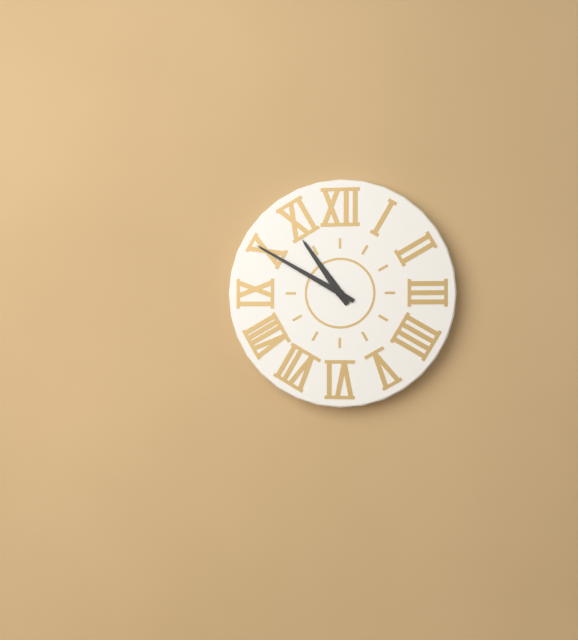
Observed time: 10h50
